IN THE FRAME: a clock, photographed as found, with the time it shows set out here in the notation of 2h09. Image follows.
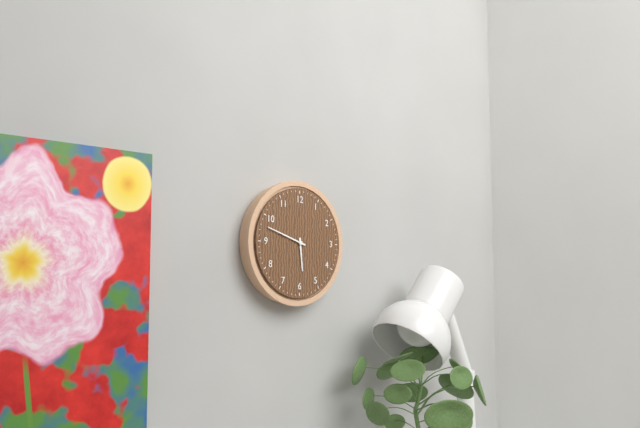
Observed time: 5h48
